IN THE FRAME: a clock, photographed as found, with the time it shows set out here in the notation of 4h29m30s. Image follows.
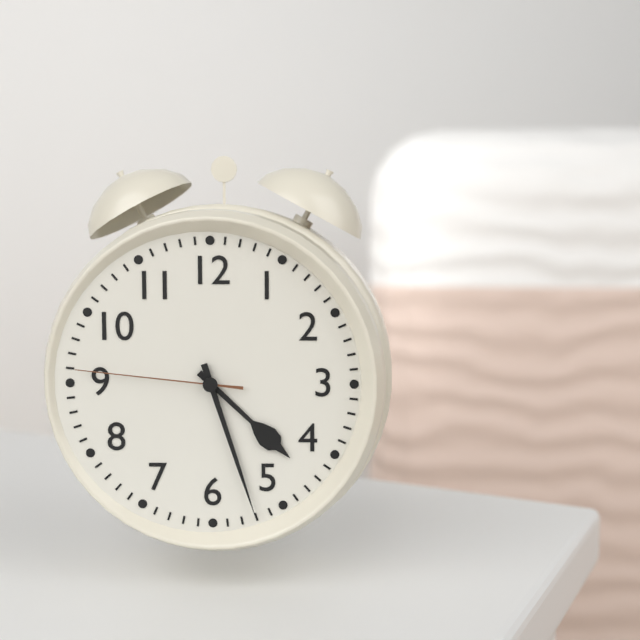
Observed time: 4h27m46s
